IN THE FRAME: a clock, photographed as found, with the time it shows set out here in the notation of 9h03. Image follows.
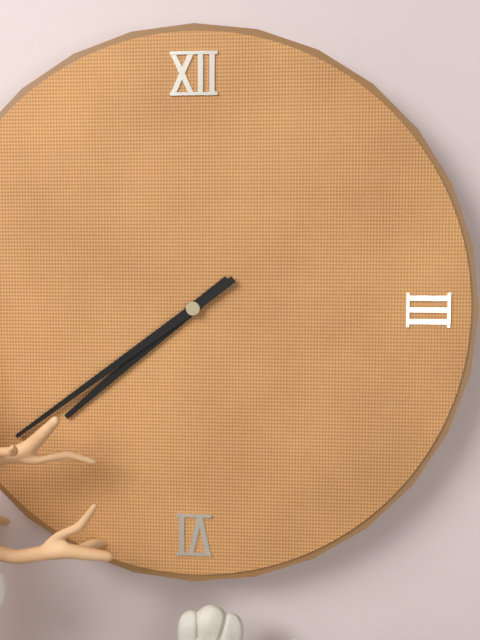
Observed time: 7h39
